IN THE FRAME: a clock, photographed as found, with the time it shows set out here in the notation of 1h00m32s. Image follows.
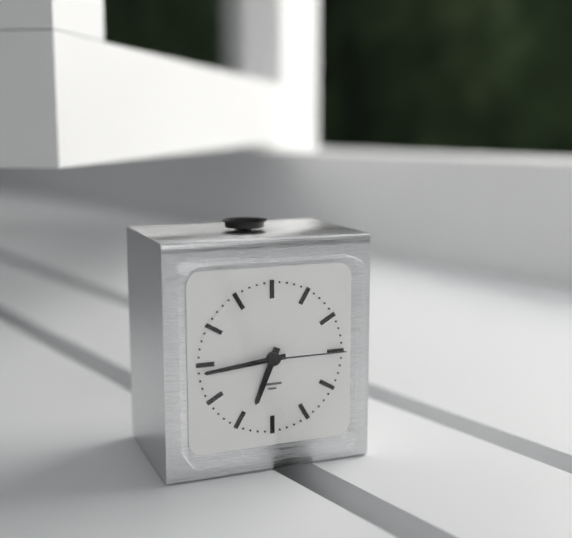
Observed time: 6h44m15s
